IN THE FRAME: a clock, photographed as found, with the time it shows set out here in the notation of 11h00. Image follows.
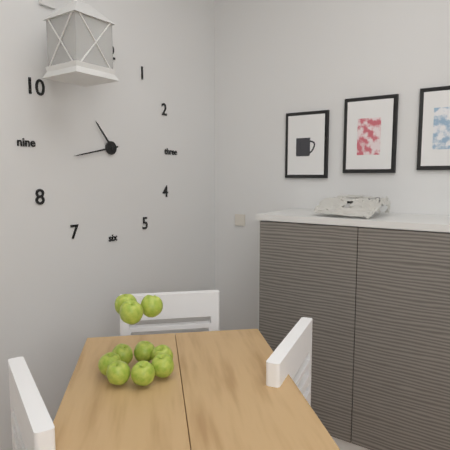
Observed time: 10h43
